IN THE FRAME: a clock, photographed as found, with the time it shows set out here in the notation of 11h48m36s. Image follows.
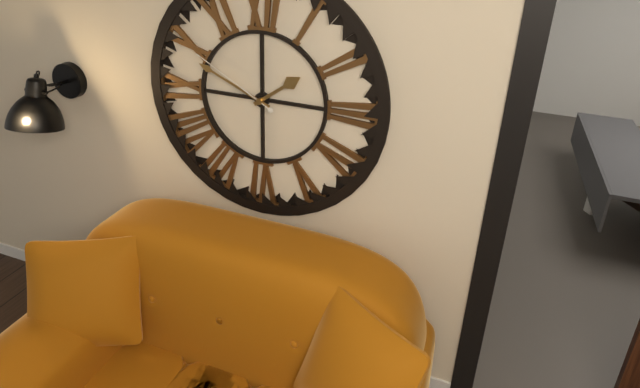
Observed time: 1h49m50s
